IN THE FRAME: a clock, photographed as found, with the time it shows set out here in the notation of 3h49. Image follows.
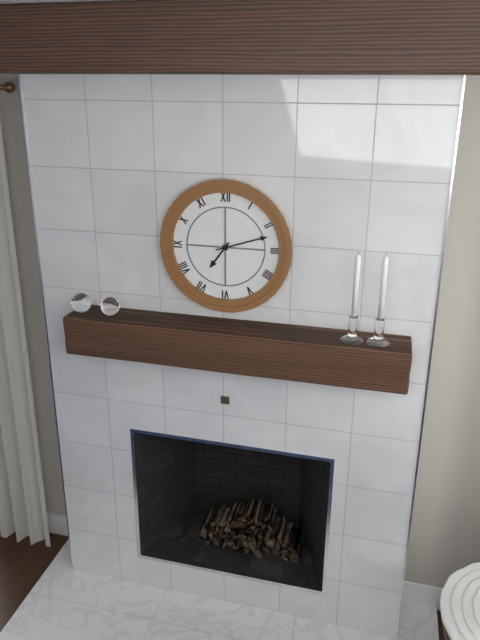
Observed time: 7h12
